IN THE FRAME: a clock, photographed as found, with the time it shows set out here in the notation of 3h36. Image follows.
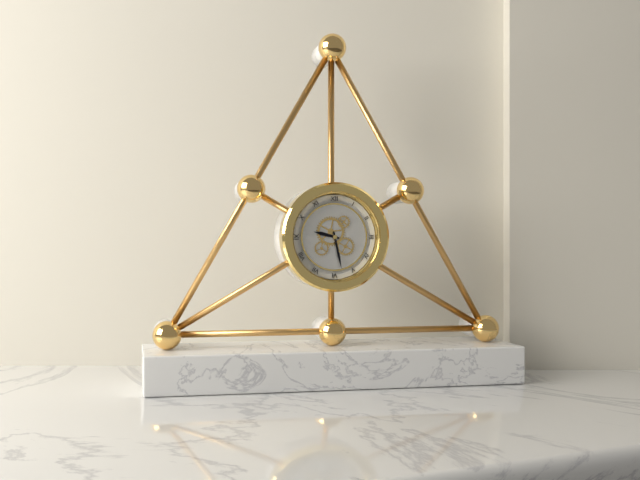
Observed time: 9h28
